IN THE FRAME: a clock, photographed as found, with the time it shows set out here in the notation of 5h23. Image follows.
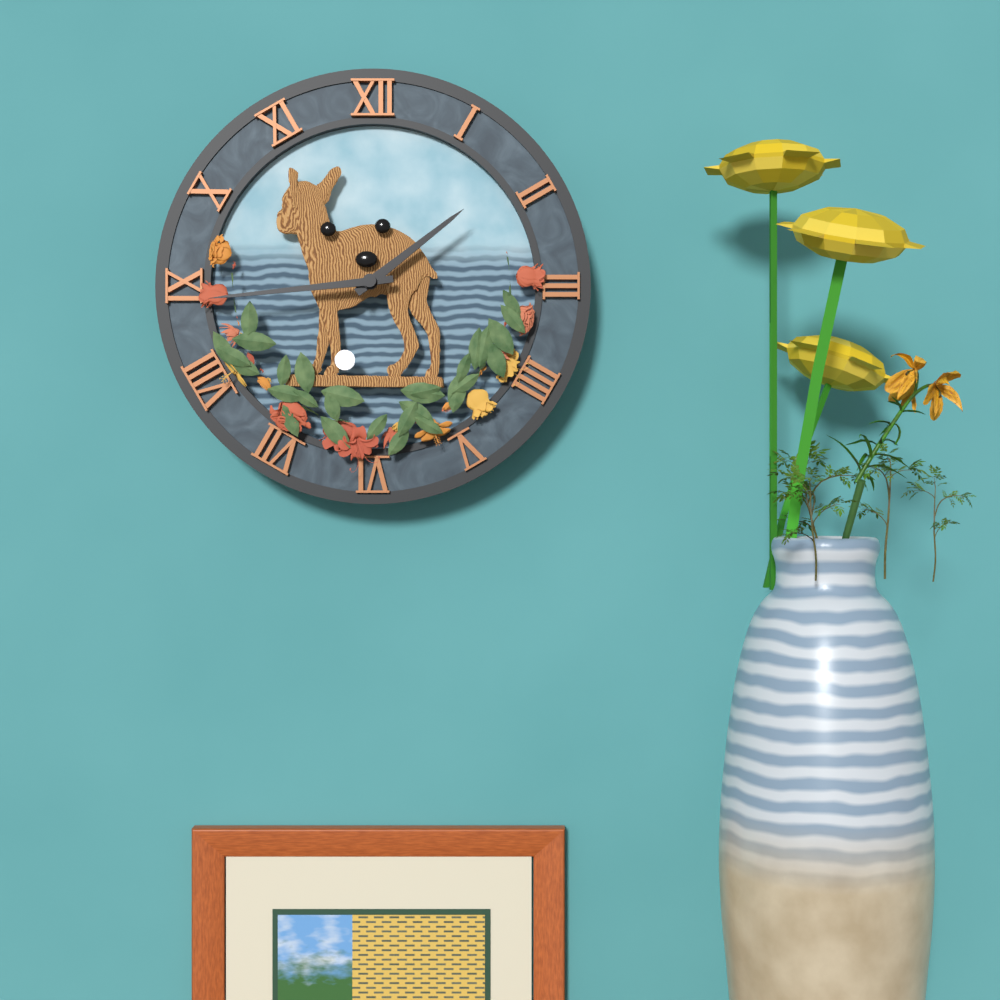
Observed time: 1h44
